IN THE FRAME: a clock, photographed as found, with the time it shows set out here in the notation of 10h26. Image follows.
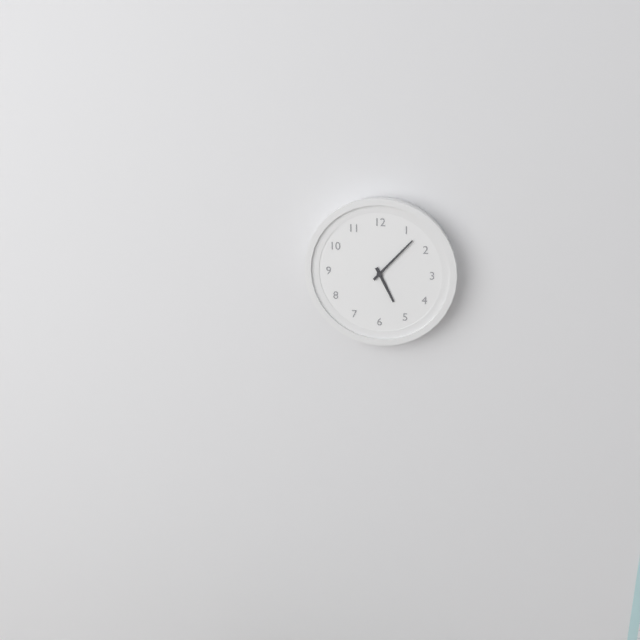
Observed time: 5h07
